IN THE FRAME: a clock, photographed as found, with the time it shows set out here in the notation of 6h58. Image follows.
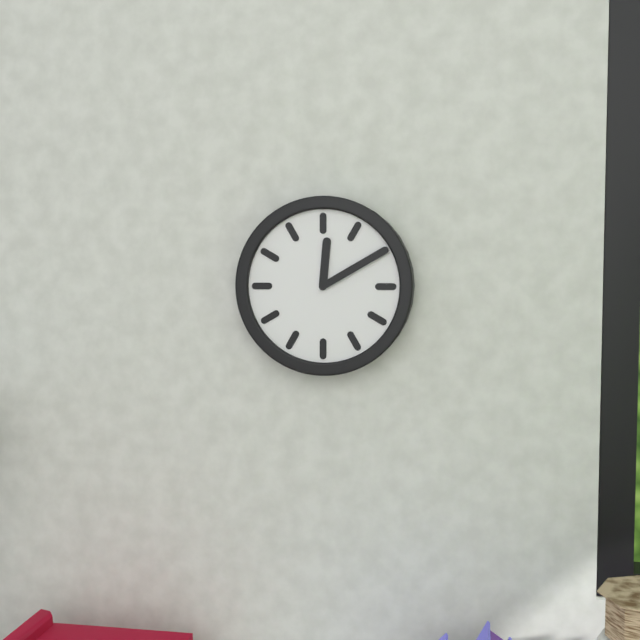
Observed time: 12h10
